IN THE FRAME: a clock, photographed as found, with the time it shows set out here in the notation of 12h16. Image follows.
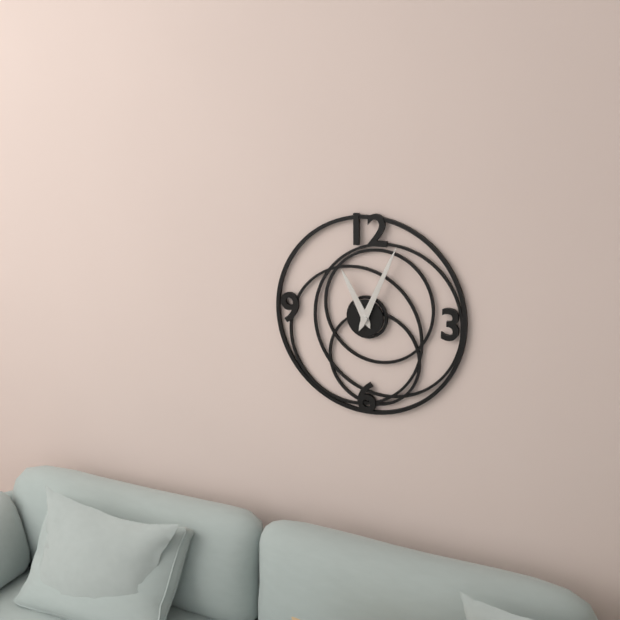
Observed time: 11h04
